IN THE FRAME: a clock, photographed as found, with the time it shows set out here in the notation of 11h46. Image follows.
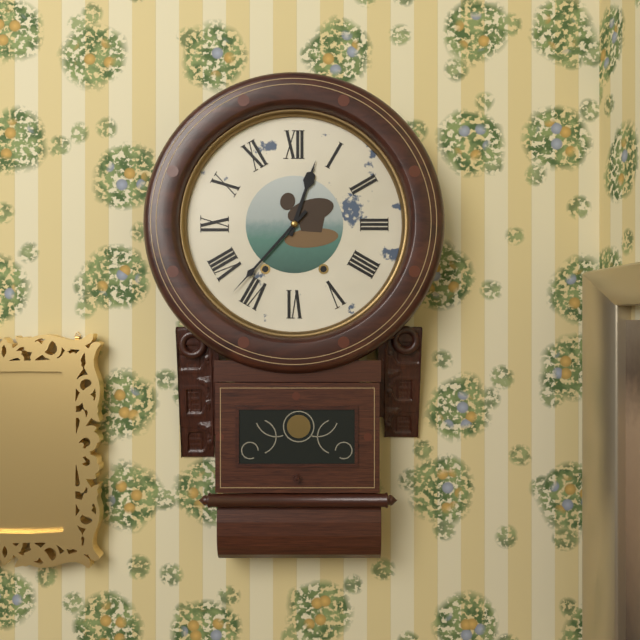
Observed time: 12h37
